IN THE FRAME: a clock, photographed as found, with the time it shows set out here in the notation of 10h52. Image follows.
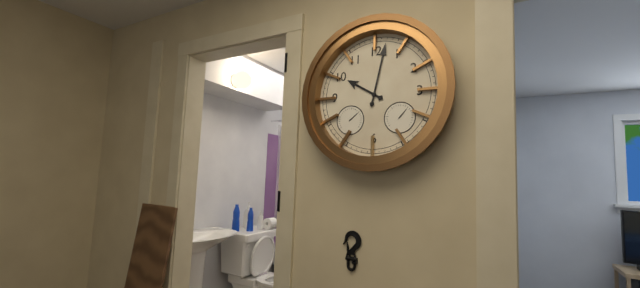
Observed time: 10h02
